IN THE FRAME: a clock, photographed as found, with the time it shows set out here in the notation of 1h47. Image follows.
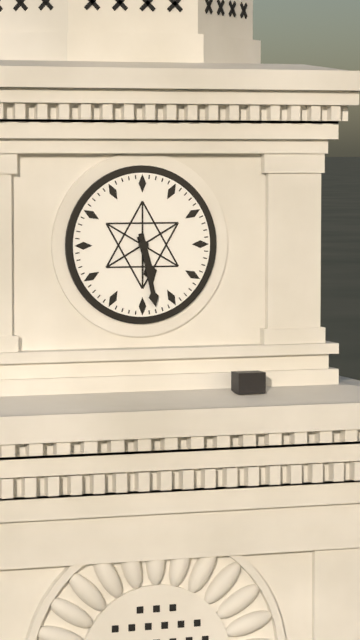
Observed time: 5h28
